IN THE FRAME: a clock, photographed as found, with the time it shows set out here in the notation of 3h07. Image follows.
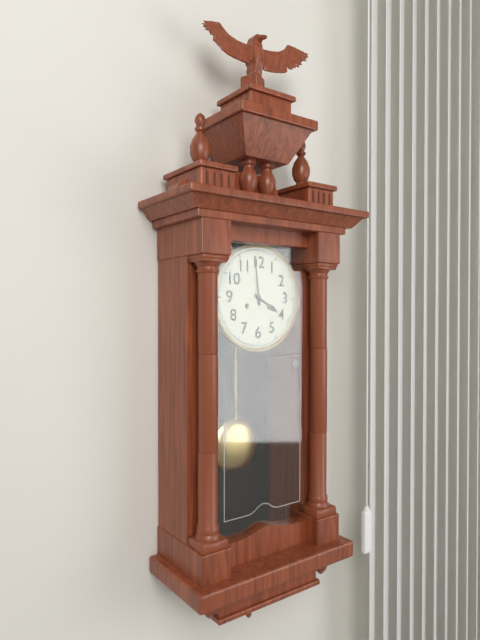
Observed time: 3h59
